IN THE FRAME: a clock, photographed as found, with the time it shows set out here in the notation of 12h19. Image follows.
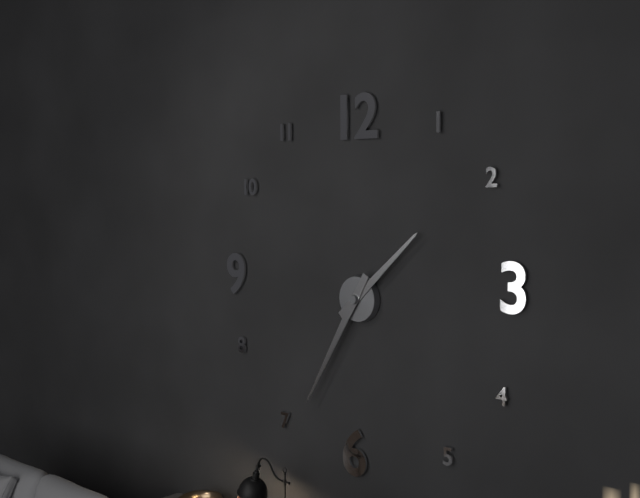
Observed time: 1h35
